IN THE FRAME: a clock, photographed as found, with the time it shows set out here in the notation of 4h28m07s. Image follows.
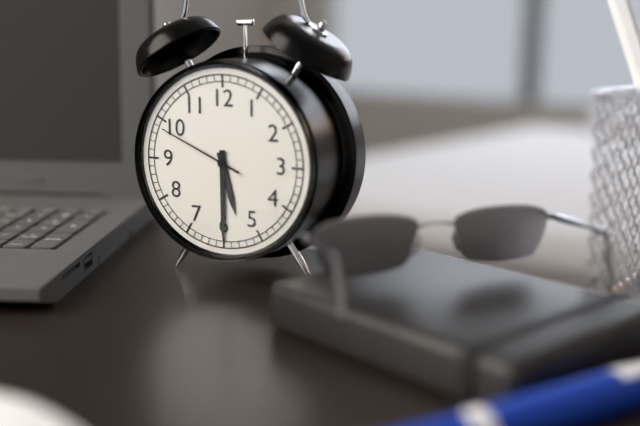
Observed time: 5h30m49s
